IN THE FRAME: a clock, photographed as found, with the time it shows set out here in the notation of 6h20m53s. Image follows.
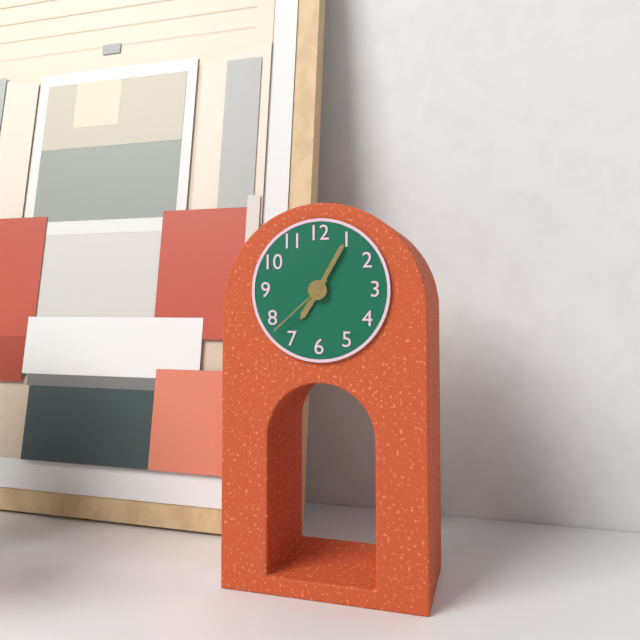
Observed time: 7h05m38s
